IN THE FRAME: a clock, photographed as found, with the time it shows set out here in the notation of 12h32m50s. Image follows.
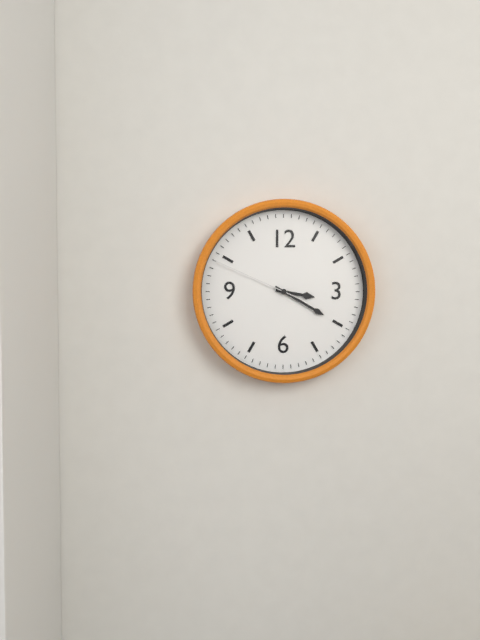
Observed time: 3h20m49s
